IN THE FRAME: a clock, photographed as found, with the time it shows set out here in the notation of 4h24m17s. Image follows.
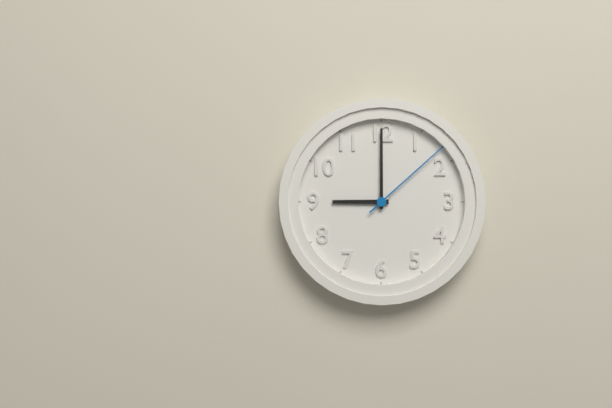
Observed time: 9h00m08s
